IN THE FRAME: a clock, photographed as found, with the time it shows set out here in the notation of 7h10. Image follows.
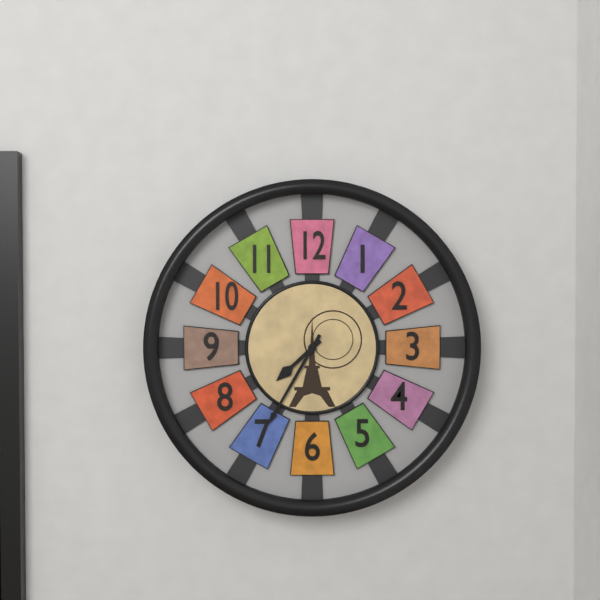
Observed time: 7h35
